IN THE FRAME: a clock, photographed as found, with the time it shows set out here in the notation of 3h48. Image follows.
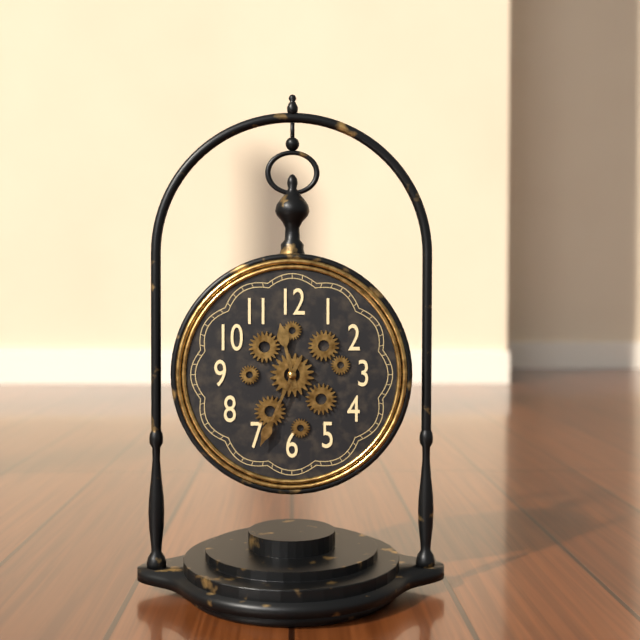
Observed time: 11h34
